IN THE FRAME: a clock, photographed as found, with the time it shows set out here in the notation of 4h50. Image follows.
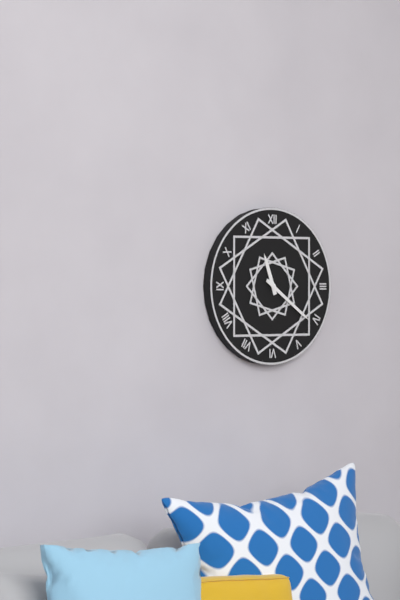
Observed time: 11h21
